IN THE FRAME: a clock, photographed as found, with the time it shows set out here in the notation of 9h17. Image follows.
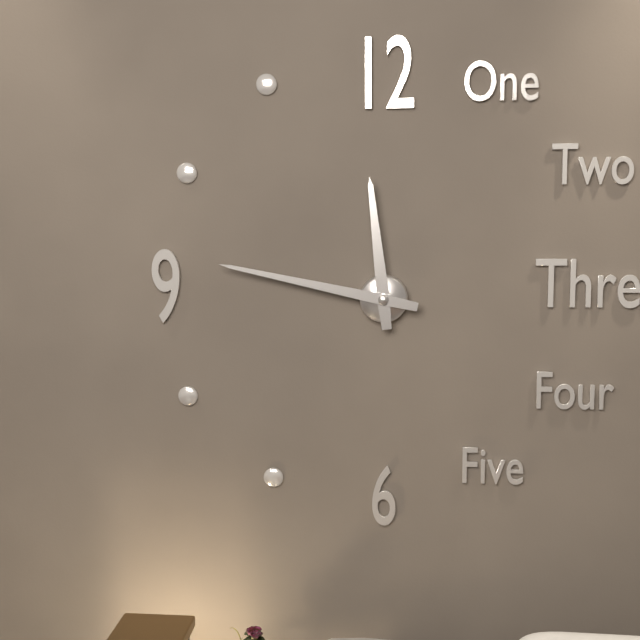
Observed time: 11h47
